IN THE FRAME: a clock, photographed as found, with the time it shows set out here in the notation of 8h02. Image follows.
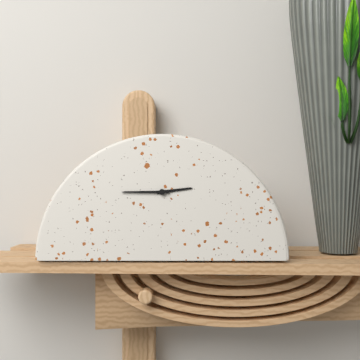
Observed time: 2h45
